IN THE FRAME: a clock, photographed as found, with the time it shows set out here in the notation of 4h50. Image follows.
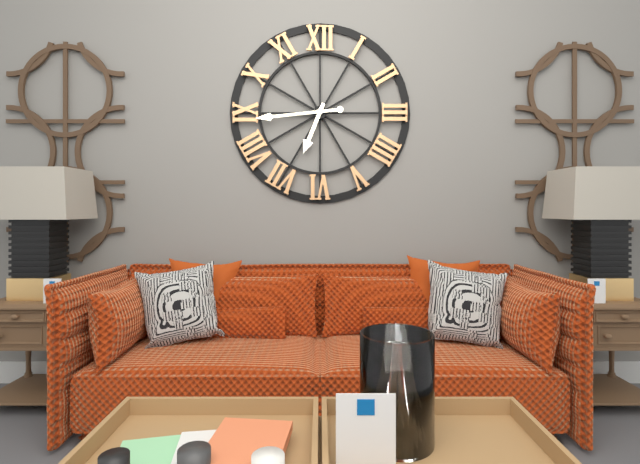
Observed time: 6h44
